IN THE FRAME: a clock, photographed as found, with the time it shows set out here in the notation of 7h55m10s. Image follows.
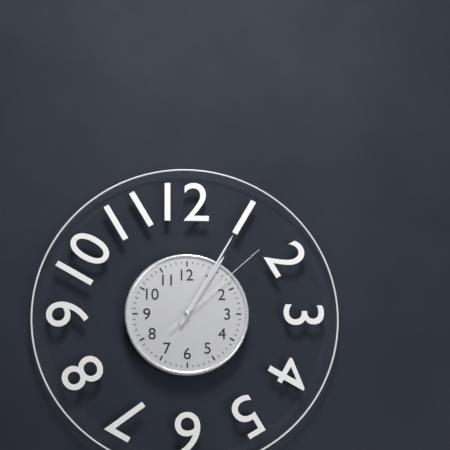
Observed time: 1h05m08s
